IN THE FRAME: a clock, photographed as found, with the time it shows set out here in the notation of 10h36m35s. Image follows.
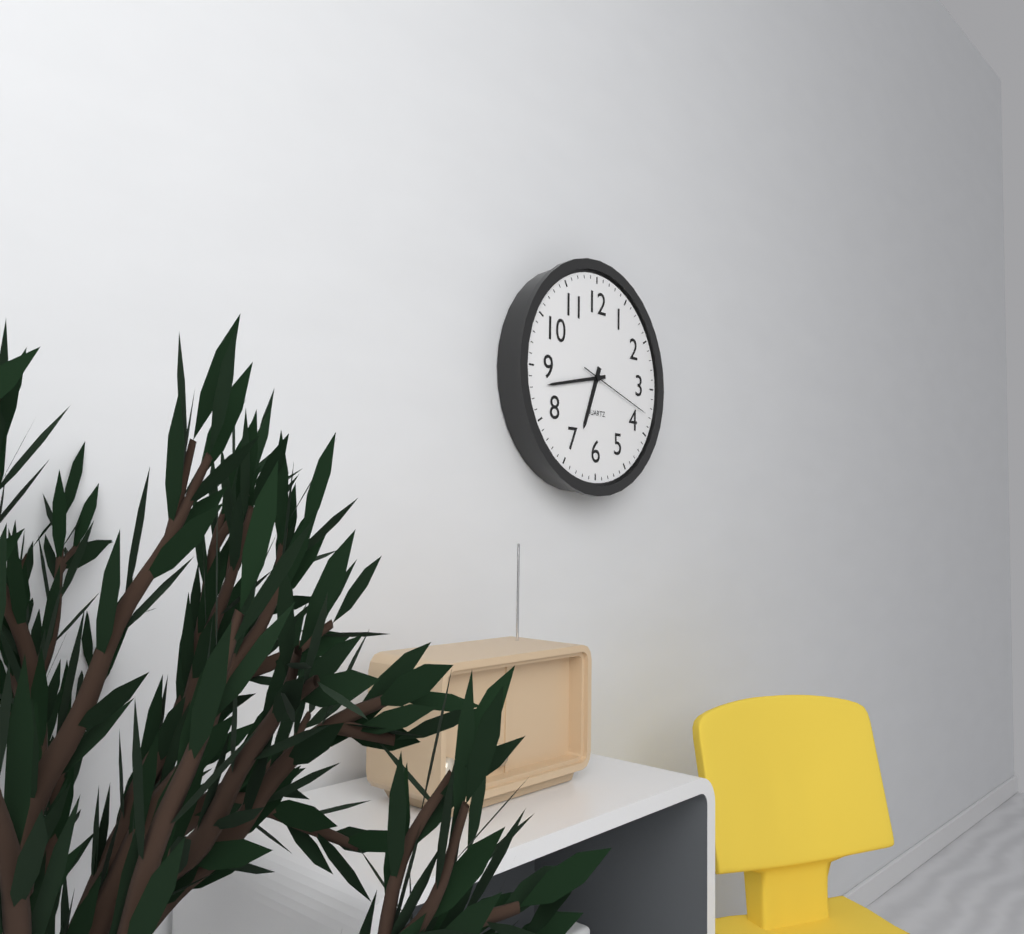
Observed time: 6h43m18s
